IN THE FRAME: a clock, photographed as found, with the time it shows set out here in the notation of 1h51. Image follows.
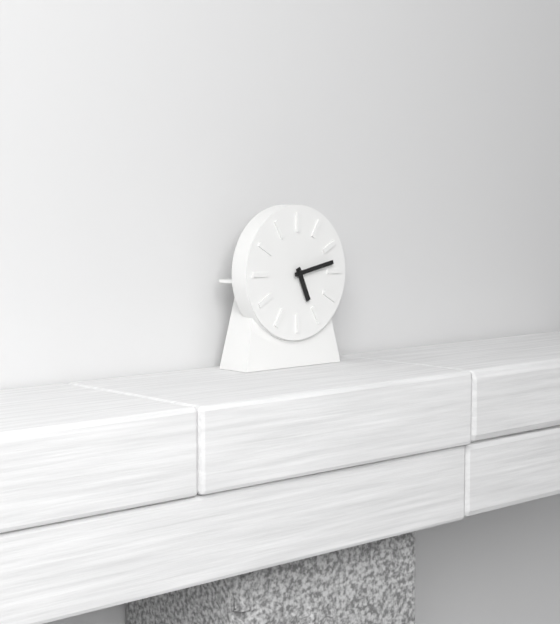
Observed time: 5h13
